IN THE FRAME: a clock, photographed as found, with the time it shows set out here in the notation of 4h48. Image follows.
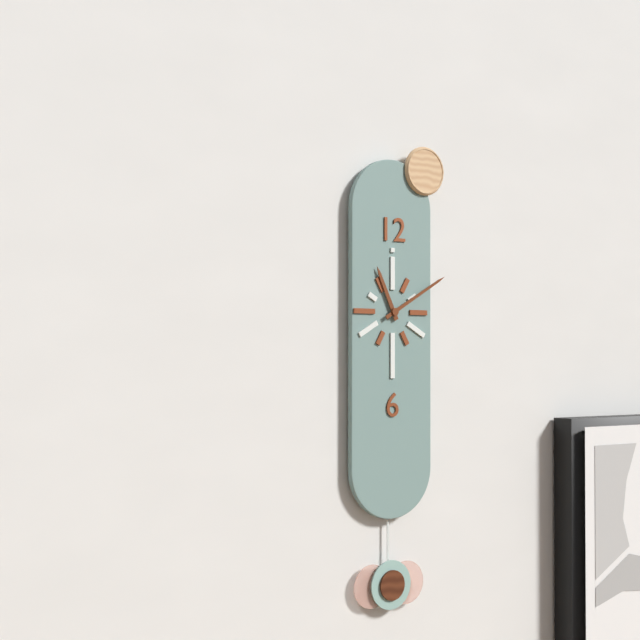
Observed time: 11h10
